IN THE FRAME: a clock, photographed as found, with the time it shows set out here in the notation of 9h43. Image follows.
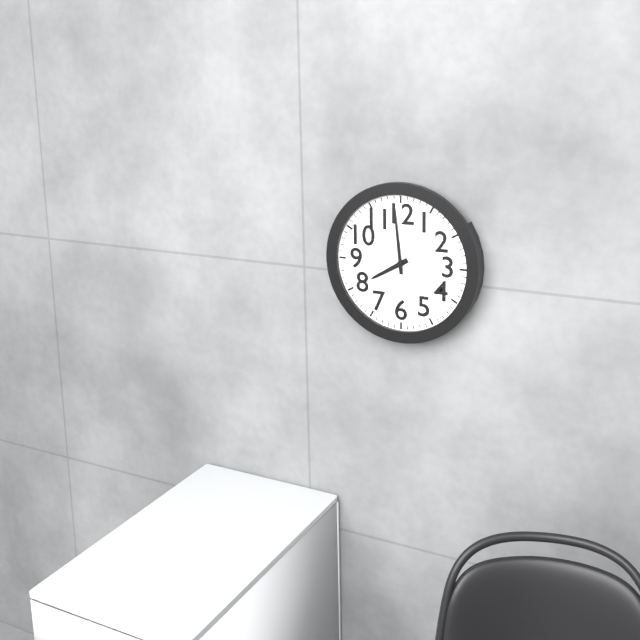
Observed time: 7h59
